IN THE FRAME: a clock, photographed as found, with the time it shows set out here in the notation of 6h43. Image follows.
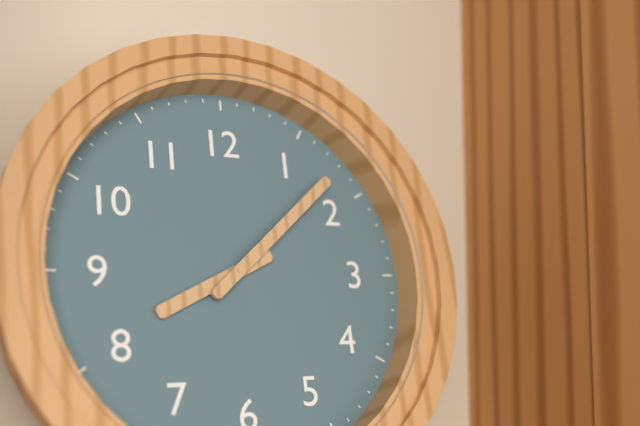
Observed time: 8h08
